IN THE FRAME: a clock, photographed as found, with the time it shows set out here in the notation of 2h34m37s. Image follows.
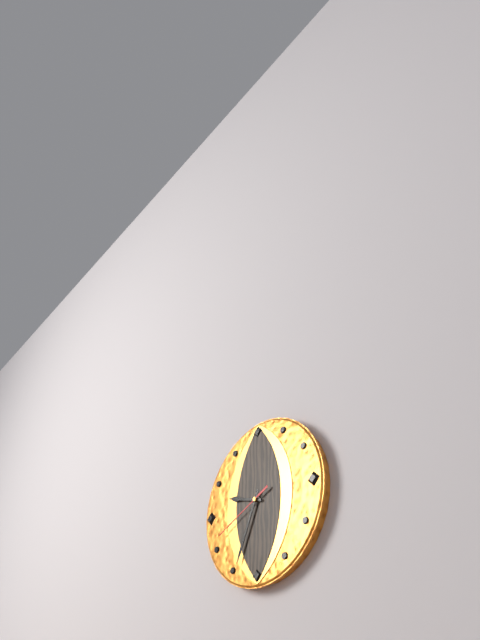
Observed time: 9h34m41s
